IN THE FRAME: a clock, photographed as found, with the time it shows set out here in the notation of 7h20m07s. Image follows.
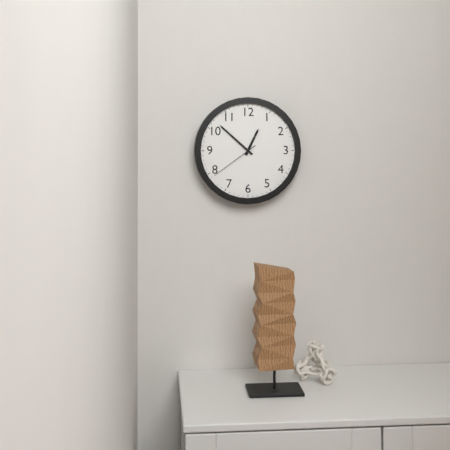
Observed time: 12h52m39s
